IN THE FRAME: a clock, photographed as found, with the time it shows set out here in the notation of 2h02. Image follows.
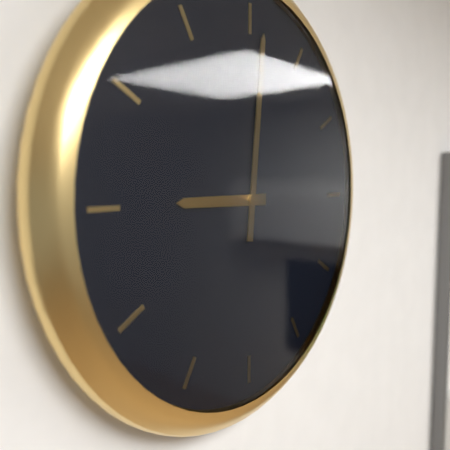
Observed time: 9h01
